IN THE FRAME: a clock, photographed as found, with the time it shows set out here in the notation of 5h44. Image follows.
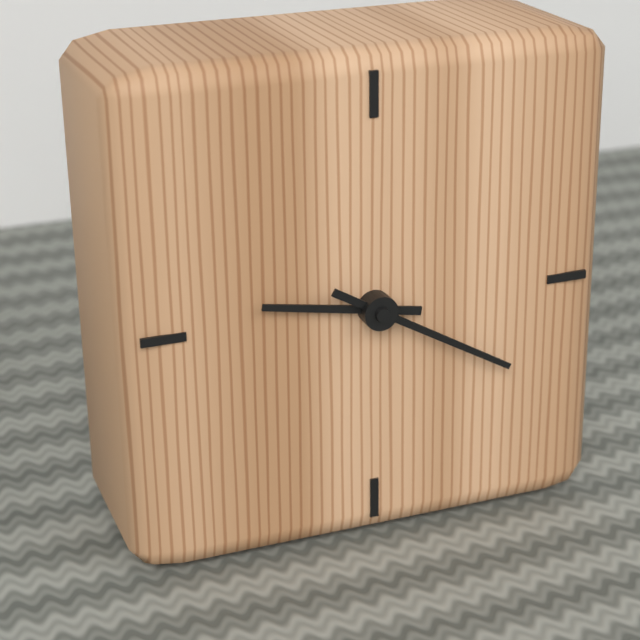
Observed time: 9h20
